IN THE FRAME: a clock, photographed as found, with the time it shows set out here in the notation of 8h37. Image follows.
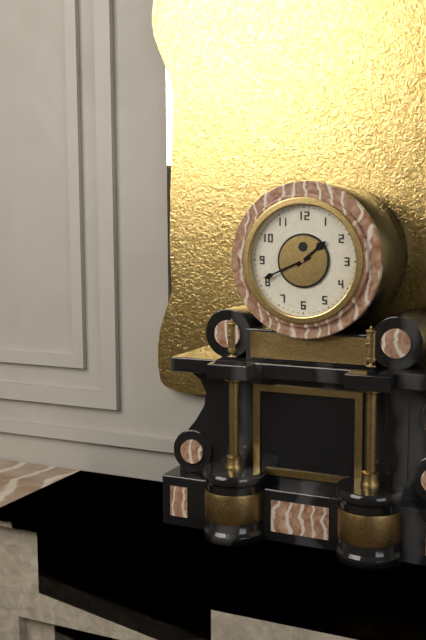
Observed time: 1h41
